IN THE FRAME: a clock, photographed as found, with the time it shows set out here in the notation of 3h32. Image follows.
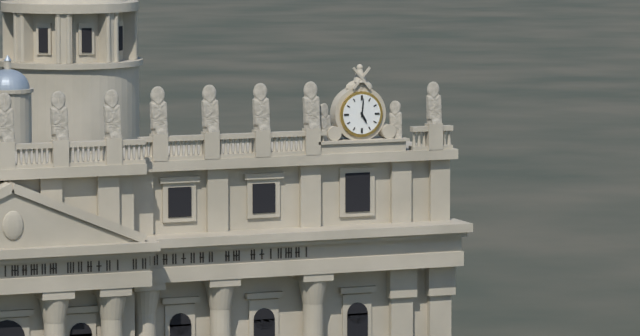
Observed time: 5h01
